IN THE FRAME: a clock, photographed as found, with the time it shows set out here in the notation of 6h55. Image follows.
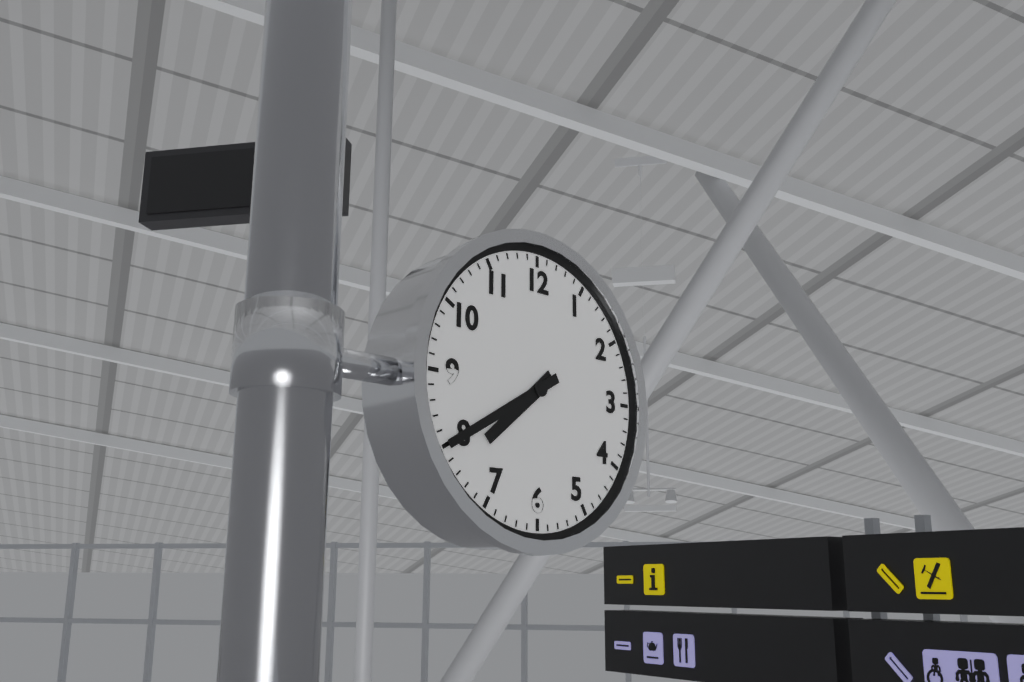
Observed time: 7h40
